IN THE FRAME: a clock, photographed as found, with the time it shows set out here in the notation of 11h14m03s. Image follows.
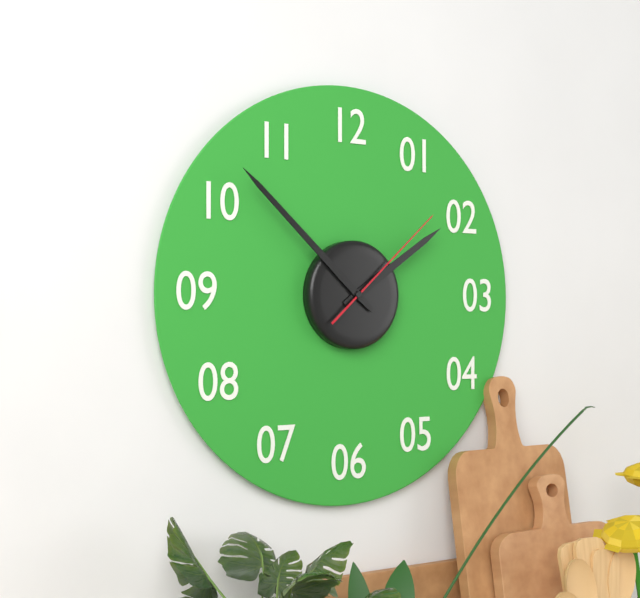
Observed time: 1h52m08s
